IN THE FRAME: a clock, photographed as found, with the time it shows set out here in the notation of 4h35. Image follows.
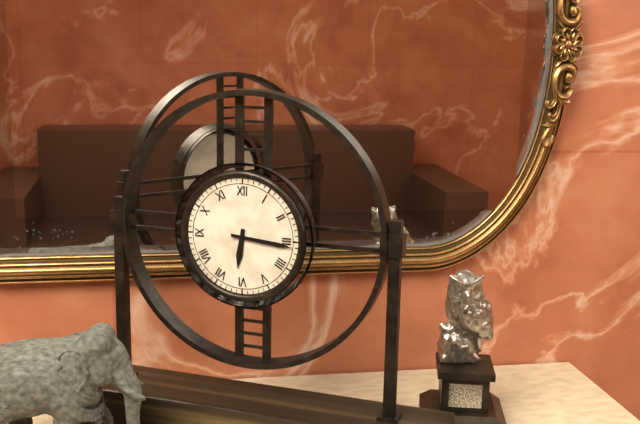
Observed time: 6h16
